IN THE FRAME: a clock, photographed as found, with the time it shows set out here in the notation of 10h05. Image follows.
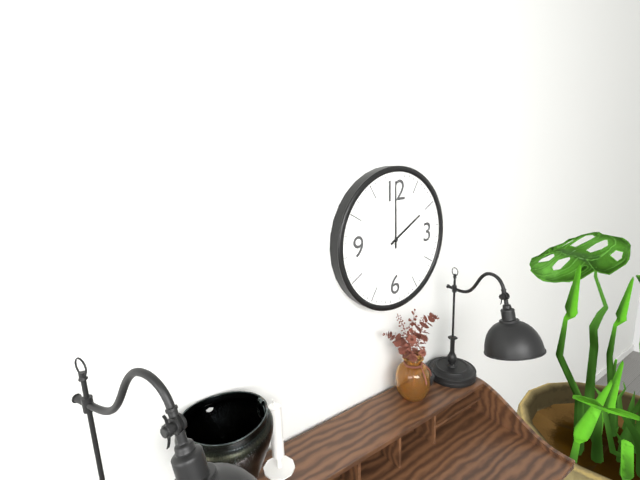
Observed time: 2h00
